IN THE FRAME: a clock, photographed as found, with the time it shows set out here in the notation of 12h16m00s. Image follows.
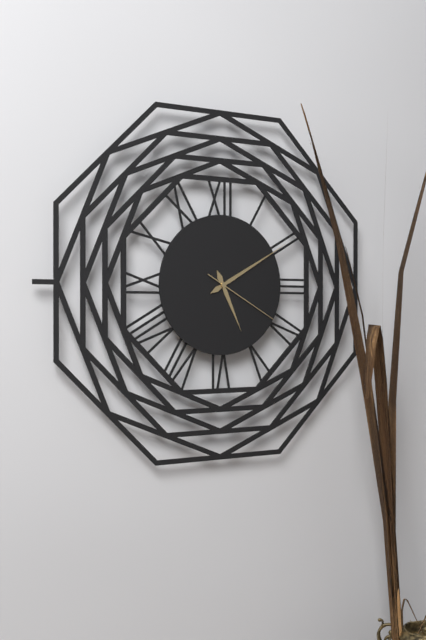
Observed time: 5h10m20s
